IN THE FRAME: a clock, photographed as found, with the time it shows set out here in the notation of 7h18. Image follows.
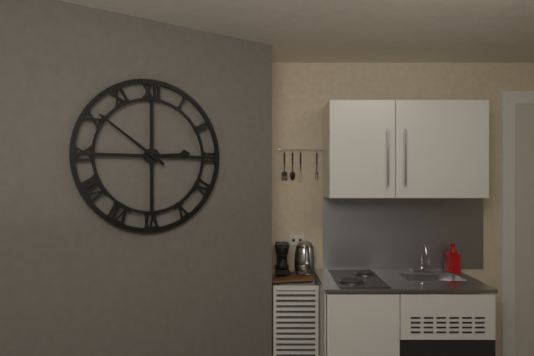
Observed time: 2h51
